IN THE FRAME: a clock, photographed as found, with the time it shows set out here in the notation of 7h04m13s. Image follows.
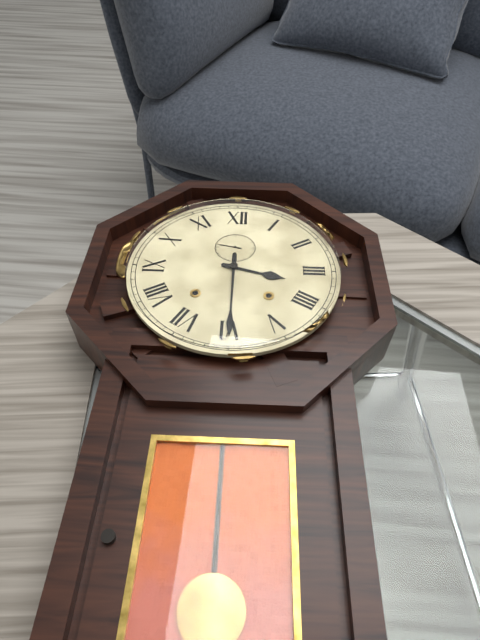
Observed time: 3h30m47s
